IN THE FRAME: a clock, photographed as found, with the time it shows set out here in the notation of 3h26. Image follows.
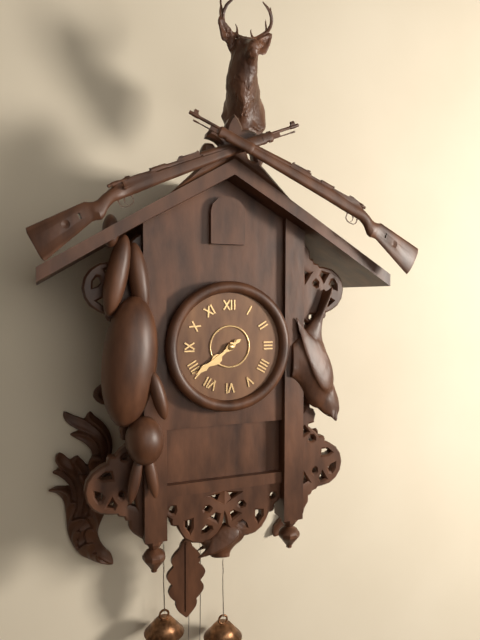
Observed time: 7h39
